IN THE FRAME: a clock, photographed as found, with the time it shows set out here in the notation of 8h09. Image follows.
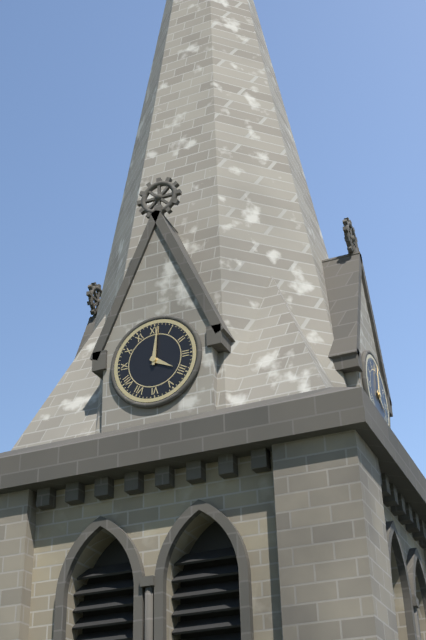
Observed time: 4h01
